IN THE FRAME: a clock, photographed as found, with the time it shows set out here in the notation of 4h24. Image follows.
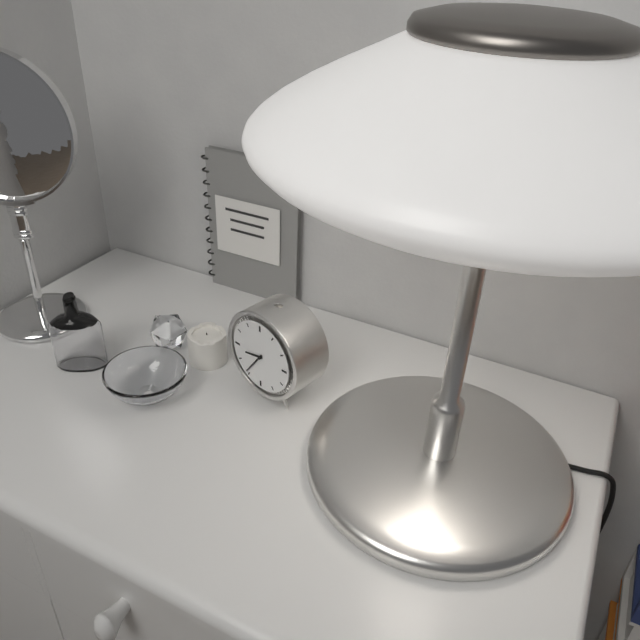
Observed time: 8h36
